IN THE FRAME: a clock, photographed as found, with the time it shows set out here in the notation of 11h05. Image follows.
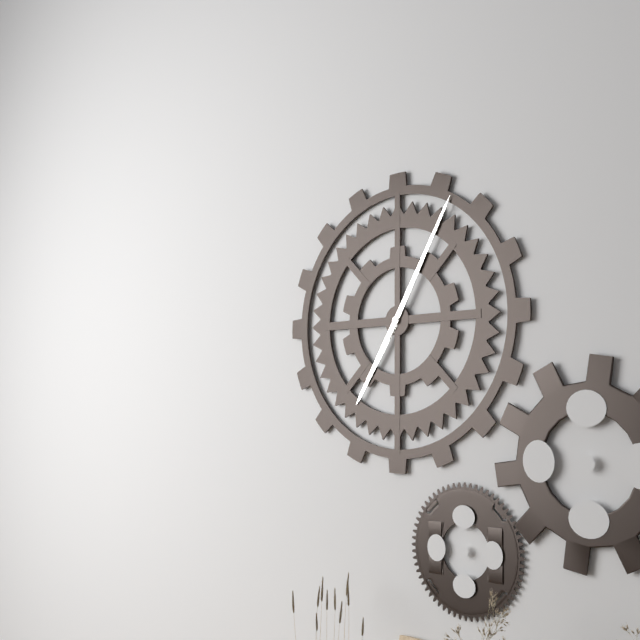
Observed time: 7h05
